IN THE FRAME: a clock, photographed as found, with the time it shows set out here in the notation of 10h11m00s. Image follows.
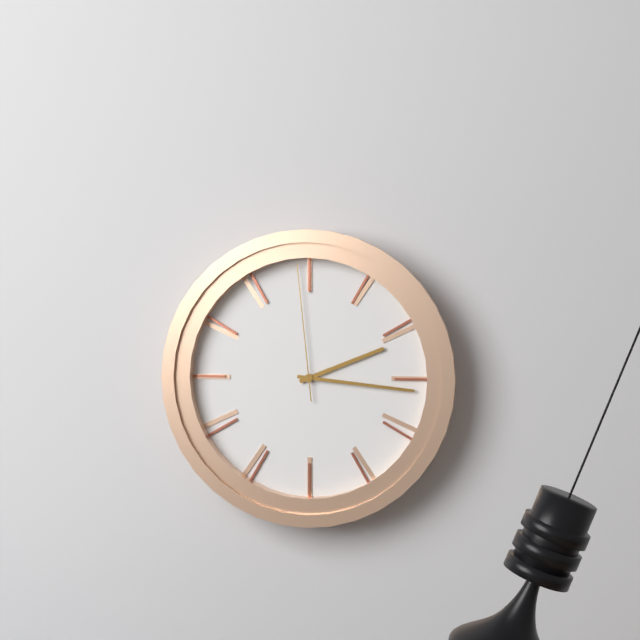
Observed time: 2h16m59s
